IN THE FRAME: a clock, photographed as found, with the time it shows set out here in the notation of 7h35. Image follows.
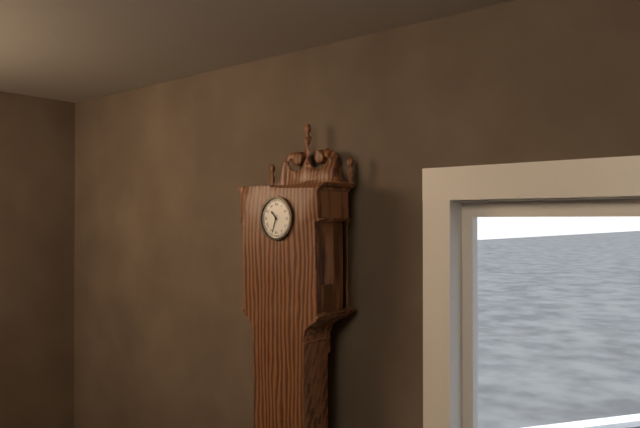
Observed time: 10h33
